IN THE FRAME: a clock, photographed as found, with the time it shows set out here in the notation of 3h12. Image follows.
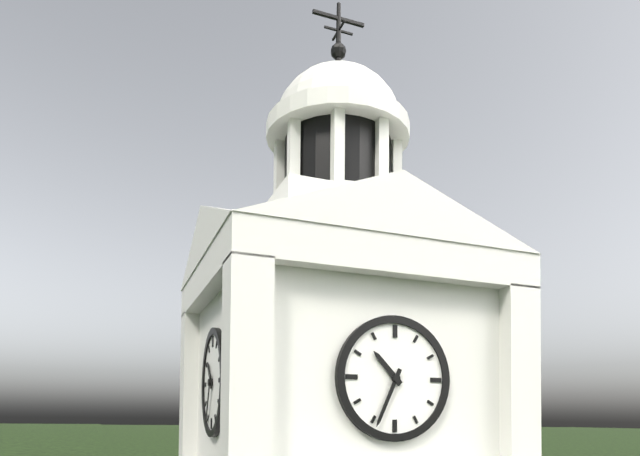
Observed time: 10h34
